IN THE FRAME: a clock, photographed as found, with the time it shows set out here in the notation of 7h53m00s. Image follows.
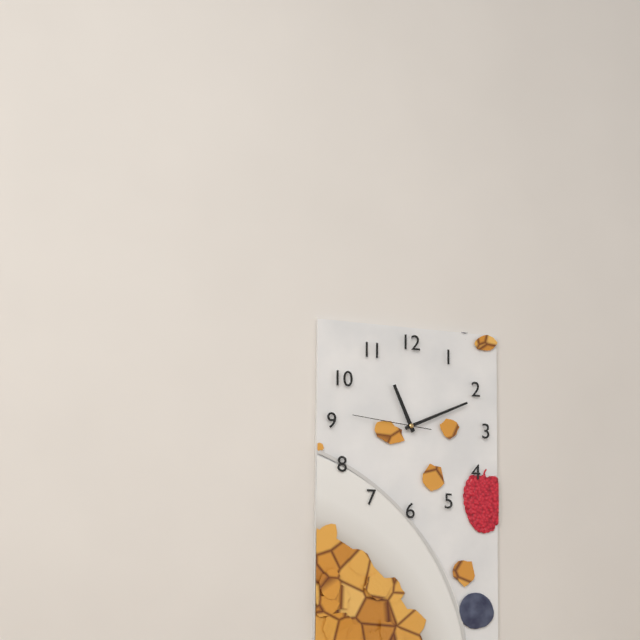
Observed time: 11h11m46s
